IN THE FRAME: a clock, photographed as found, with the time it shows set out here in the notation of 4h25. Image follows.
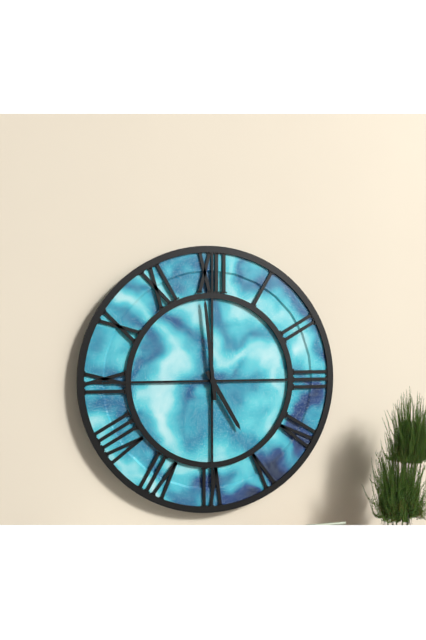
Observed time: 4h59
